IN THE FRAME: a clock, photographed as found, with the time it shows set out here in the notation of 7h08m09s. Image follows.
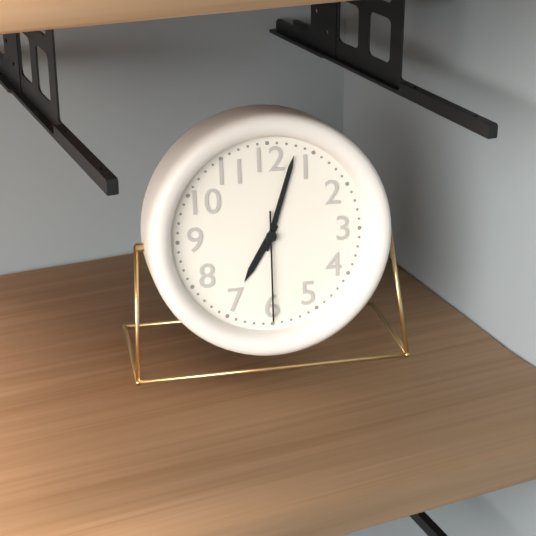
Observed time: 7h03m30s
